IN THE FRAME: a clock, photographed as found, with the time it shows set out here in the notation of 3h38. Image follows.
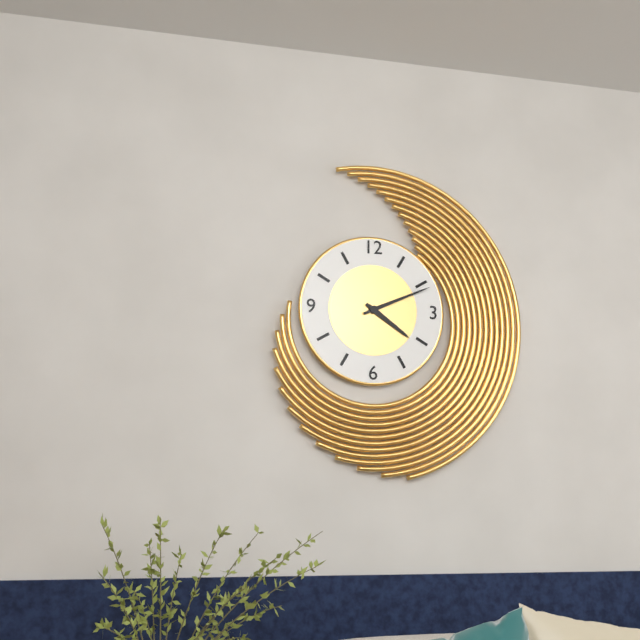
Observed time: 4h11
